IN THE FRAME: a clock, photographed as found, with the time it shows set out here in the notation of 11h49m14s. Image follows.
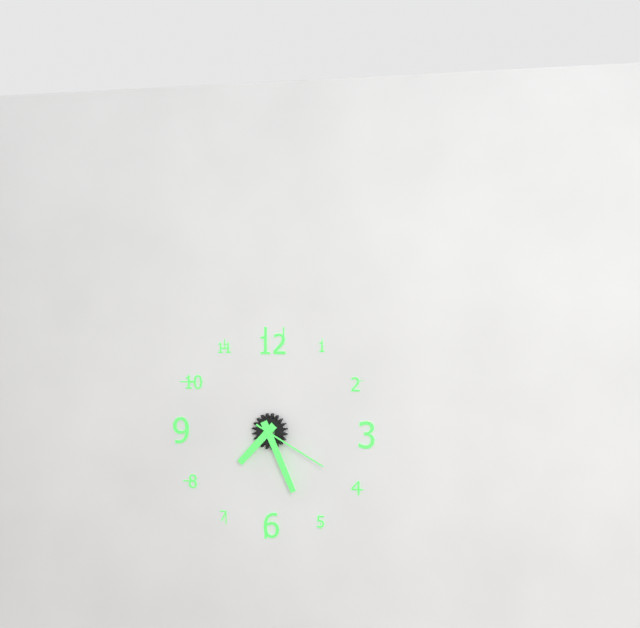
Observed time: 7h26m20s
